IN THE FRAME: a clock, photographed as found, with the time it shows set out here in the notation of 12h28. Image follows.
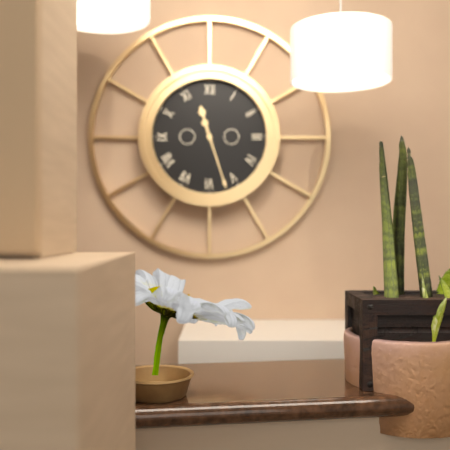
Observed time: 11h27
